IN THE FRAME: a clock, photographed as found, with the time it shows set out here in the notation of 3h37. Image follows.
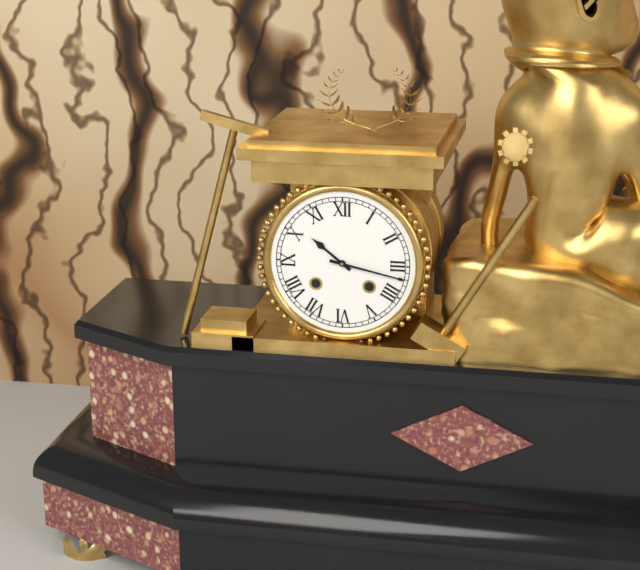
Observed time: 10h17
